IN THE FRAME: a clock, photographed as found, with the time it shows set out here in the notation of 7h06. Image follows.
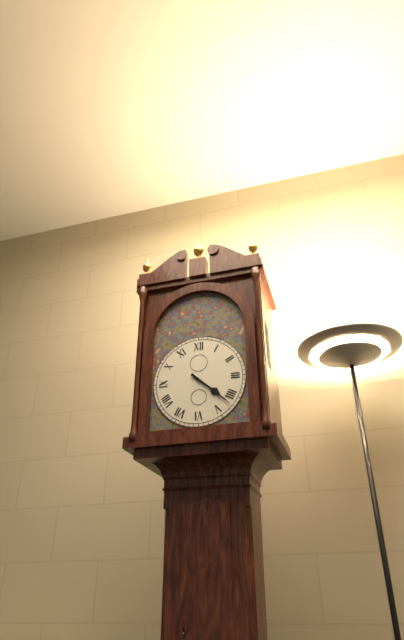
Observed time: 4h22
